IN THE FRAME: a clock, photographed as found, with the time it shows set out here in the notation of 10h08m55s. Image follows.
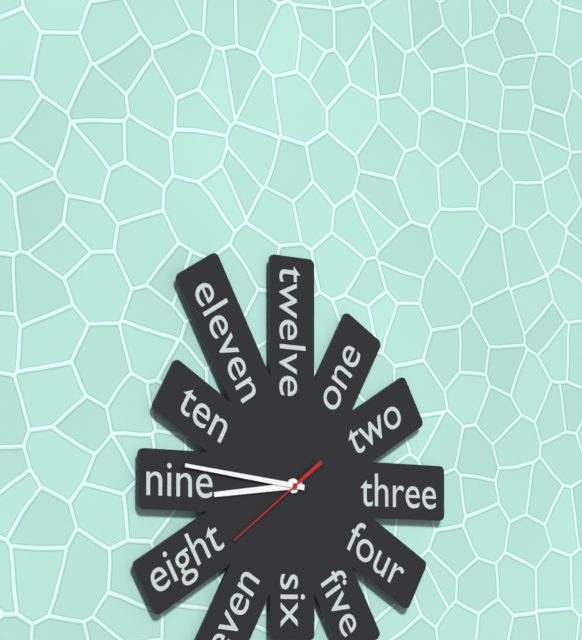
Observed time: 8h46m39s
